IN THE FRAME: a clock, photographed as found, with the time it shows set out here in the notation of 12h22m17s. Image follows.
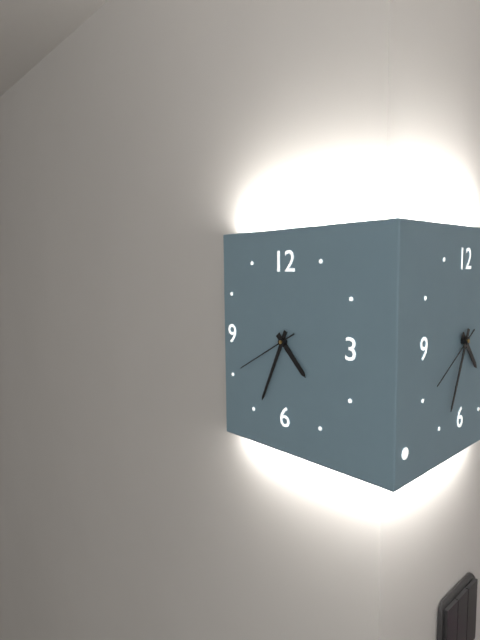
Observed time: 4h34m40s
